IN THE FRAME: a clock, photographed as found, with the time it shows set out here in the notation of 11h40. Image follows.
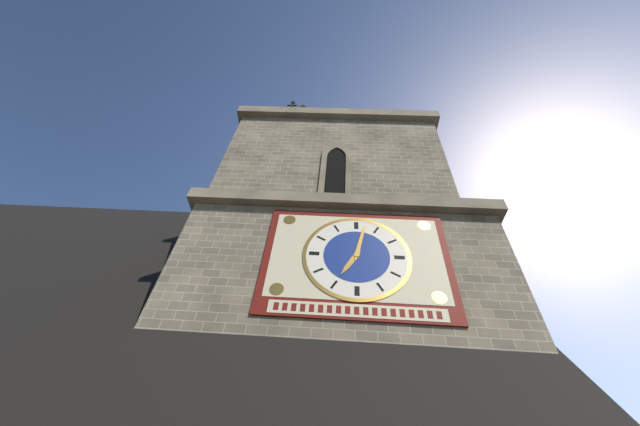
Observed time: 7h02
